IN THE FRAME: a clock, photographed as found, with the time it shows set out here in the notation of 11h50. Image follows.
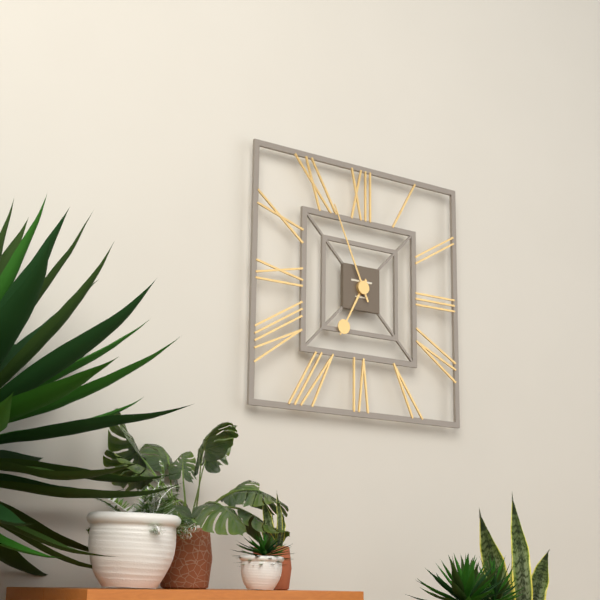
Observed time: 6h56
